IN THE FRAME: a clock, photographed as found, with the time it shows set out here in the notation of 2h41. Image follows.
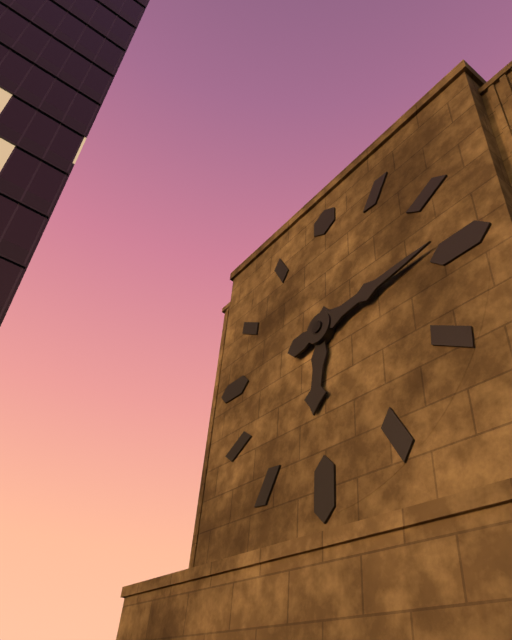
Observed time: 6h14
